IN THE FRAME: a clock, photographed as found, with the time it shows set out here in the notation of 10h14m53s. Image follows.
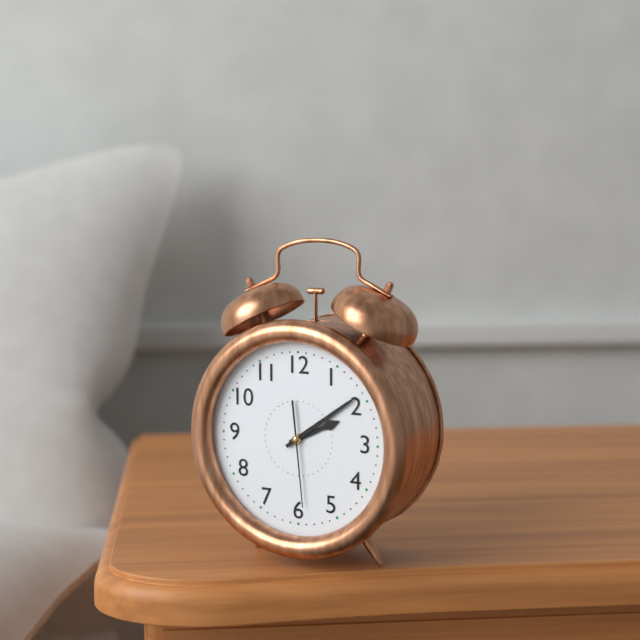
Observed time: 2h09m29s
